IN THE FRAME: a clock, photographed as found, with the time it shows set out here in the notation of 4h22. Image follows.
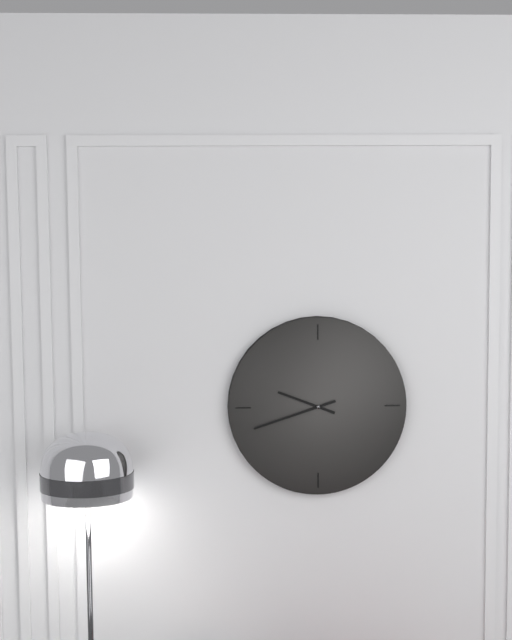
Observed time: 9h42
